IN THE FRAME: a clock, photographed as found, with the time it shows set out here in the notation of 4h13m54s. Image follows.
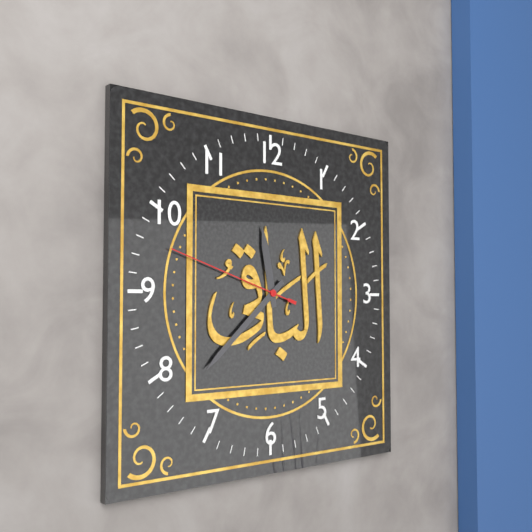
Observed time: 11h38m48s
